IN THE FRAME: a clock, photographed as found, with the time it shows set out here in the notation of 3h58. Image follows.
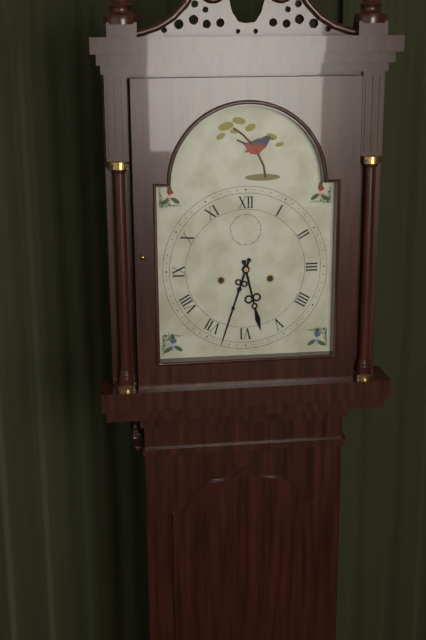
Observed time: 5h33
